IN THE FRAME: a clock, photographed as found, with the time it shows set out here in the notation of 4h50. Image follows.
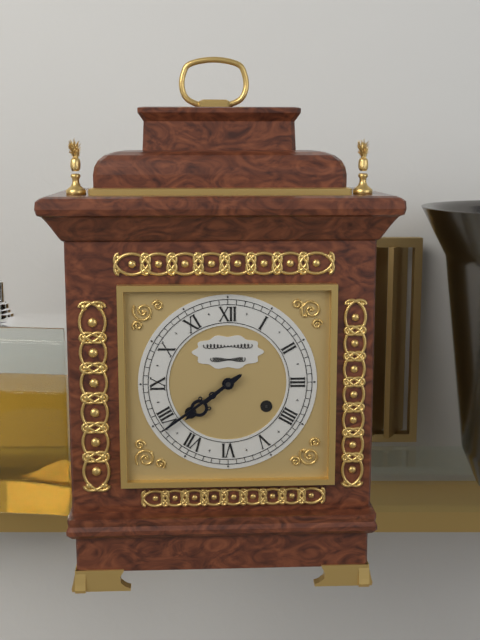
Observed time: 7h39
